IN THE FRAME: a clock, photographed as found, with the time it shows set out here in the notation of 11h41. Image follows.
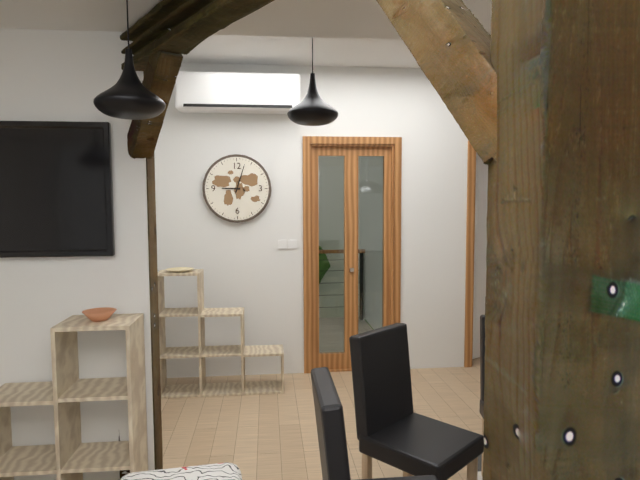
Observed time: 9h03
